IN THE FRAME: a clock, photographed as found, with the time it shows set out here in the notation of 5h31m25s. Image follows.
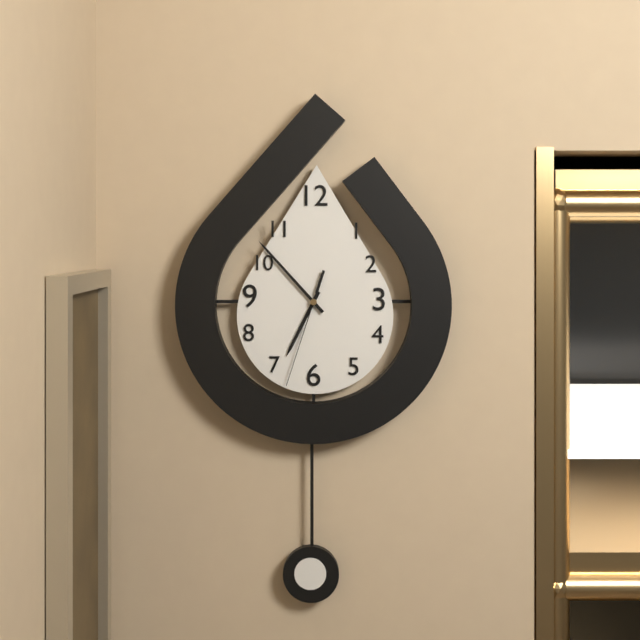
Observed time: 6h53m33s
